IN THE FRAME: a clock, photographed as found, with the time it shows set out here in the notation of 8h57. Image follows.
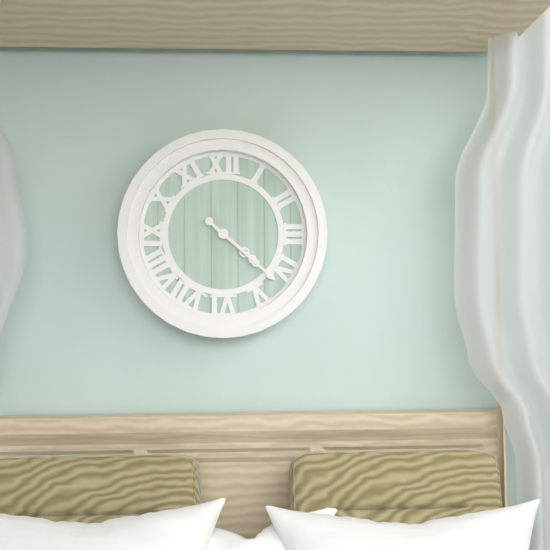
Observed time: 4h22
